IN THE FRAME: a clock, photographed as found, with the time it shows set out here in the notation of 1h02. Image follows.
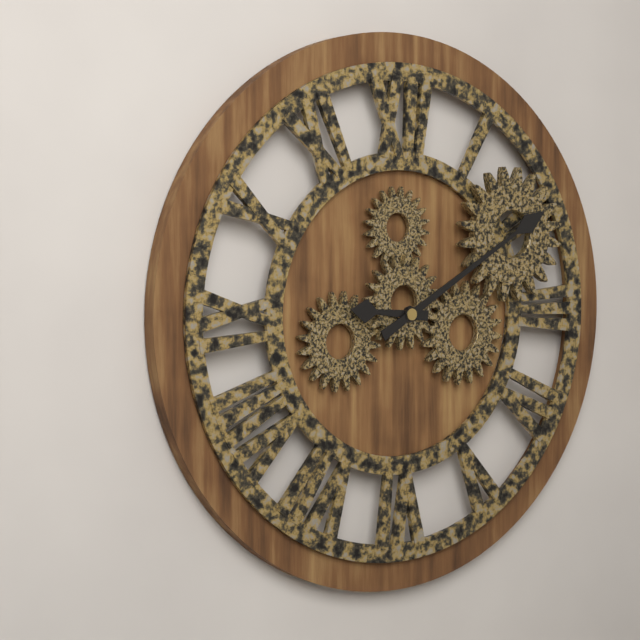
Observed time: 9h10
